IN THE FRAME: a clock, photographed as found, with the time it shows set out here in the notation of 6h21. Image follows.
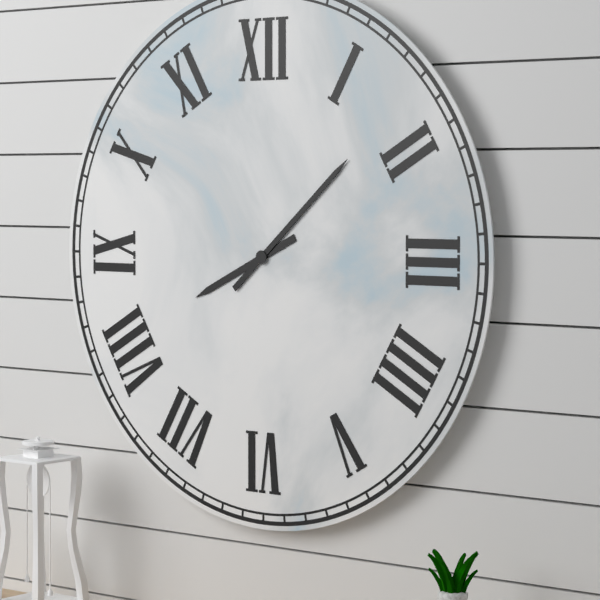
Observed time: 8h08
